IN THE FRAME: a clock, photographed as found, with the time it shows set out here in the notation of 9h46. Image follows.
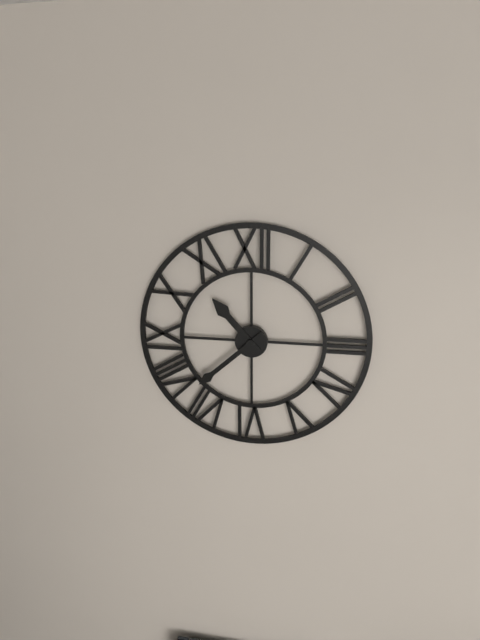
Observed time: 10h38
